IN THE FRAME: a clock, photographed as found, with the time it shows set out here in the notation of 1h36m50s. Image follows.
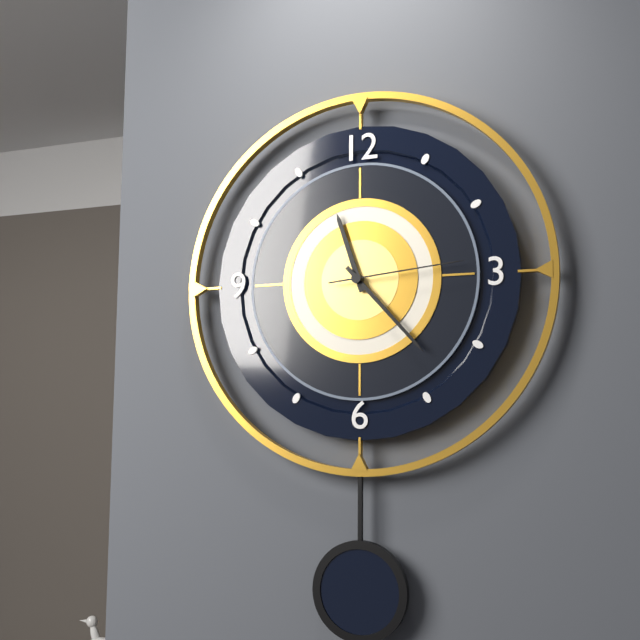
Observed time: 11h23m14s
